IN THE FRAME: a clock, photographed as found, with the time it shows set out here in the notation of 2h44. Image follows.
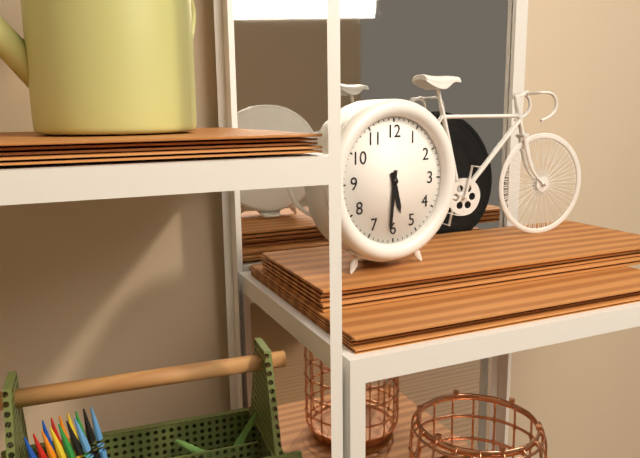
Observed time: 5h31
